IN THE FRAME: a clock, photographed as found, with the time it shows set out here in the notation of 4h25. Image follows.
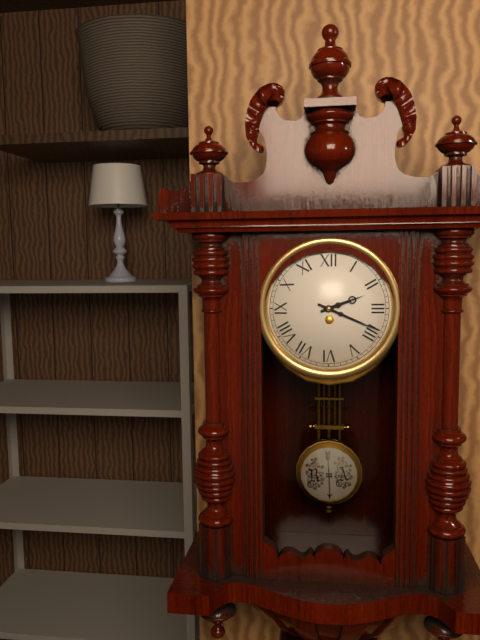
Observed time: 2h19
